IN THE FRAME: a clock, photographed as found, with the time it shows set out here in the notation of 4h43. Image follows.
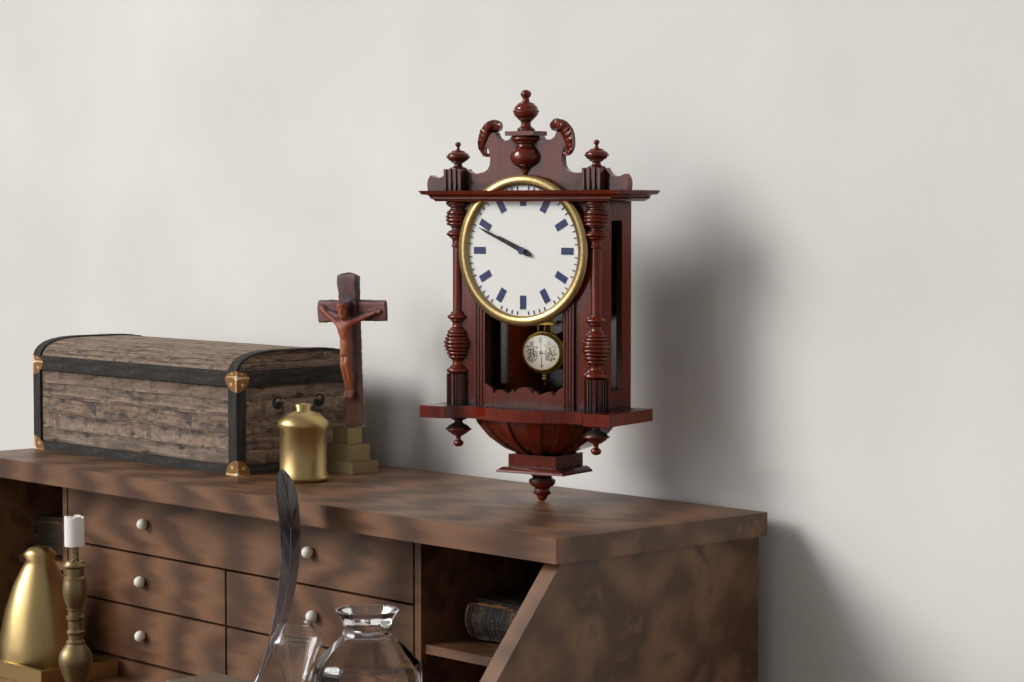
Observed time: 9h49
